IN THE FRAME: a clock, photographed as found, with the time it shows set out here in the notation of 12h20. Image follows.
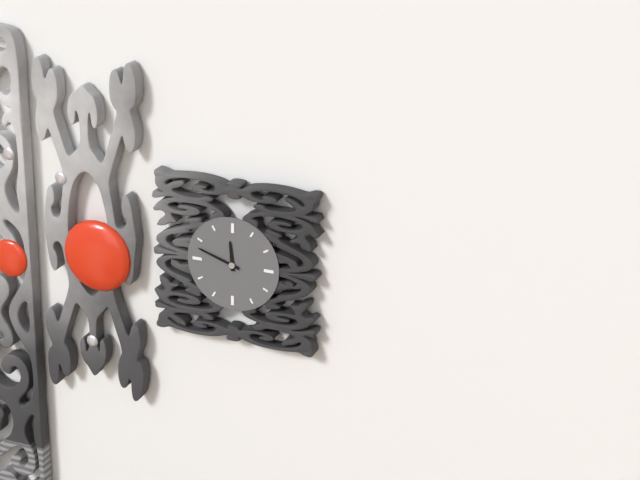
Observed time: 11h48
